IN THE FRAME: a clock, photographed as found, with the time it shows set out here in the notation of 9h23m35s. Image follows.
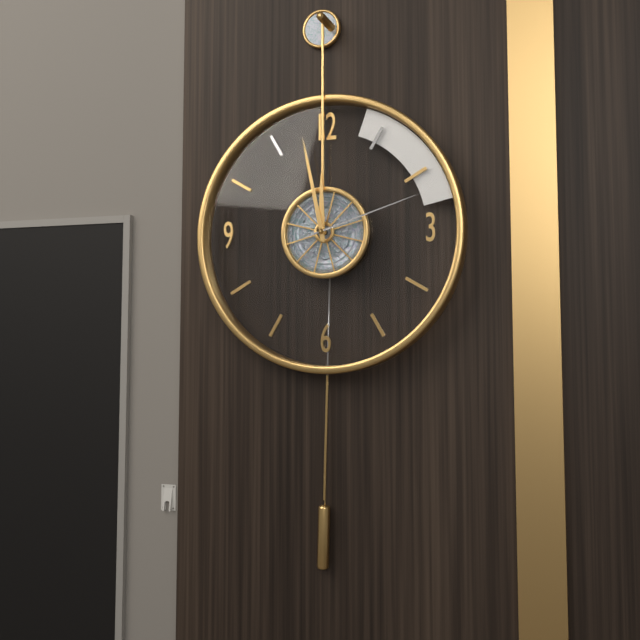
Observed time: 11h58m12s
